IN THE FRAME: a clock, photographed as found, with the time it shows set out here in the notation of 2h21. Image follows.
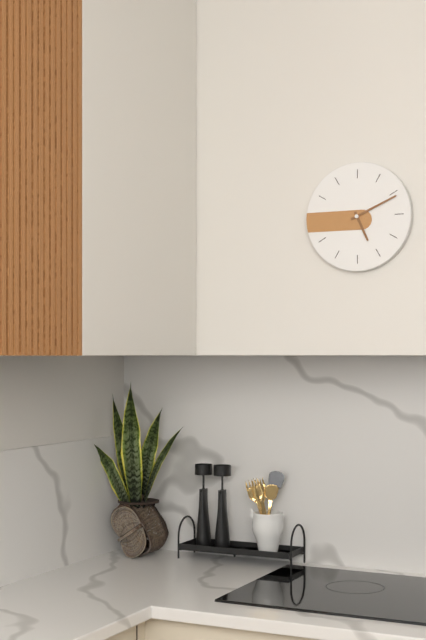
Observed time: 5h11
